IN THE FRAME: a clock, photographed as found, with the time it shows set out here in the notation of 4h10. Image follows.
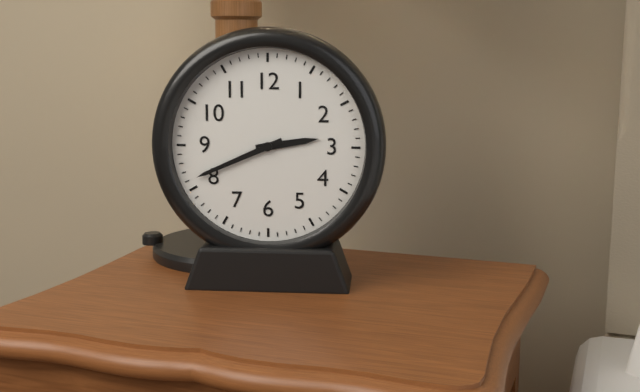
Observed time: 2h41
